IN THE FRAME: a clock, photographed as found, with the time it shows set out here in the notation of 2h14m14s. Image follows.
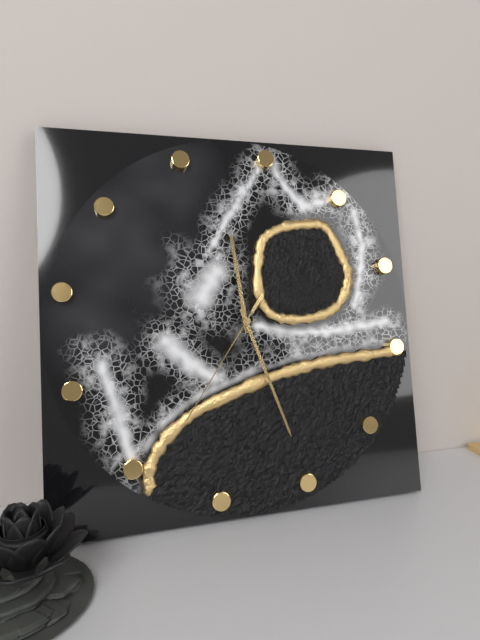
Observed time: 11h25m34s
